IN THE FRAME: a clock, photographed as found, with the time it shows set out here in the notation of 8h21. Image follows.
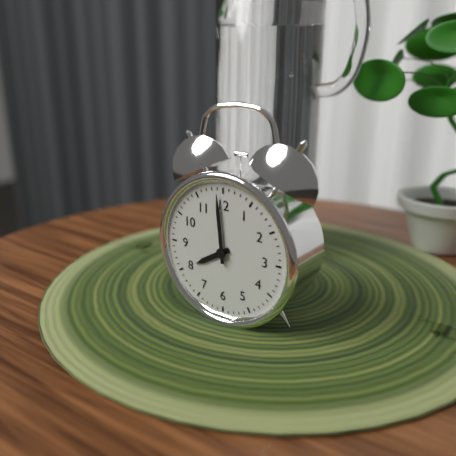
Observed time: 7h59
